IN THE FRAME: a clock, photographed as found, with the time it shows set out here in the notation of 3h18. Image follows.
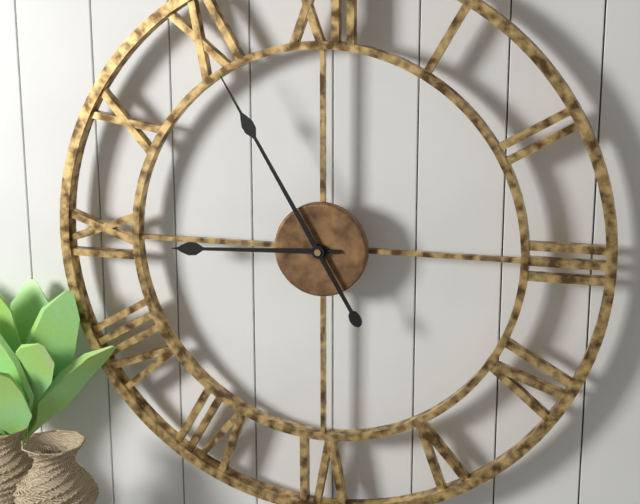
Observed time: 8h55
